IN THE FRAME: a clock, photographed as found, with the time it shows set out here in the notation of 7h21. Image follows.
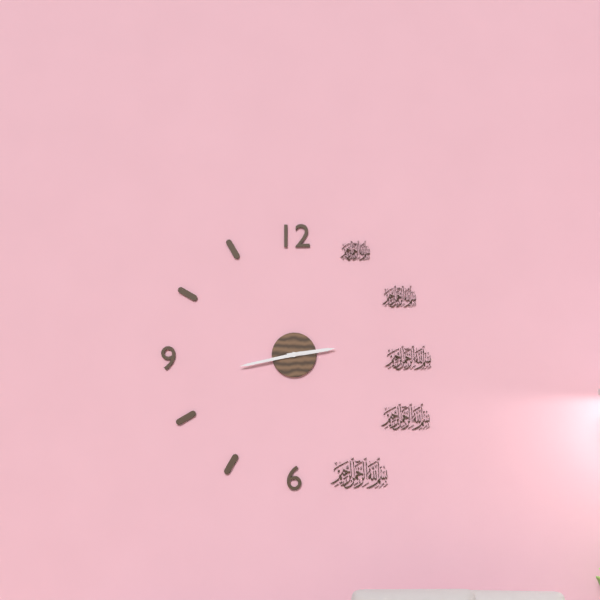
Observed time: 2h43
